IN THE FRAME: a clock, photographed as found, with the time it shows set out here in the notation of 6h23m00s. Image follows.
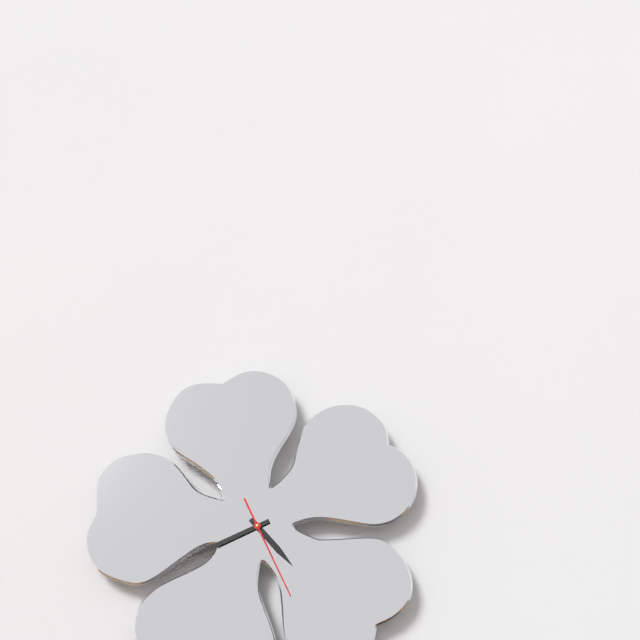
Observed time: 4h41m26s
